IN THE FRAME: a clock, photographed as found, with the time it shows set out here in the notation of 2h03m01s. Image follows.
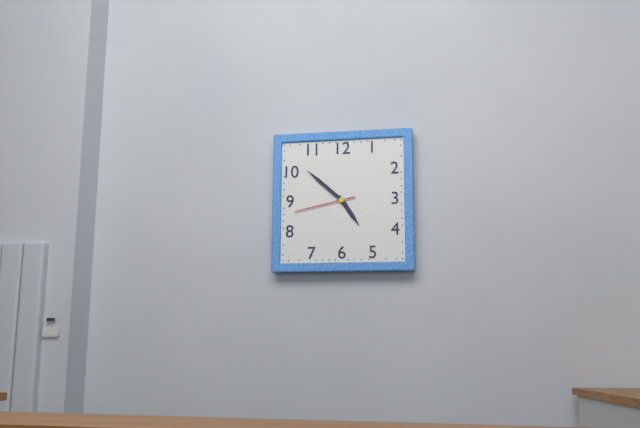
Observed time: 4h52m43s
